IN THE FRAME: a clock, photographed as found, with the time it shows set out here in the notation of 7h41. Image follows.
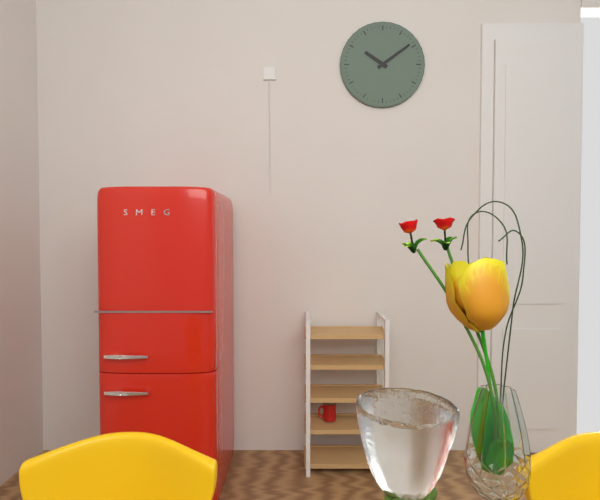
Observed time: 10h09
